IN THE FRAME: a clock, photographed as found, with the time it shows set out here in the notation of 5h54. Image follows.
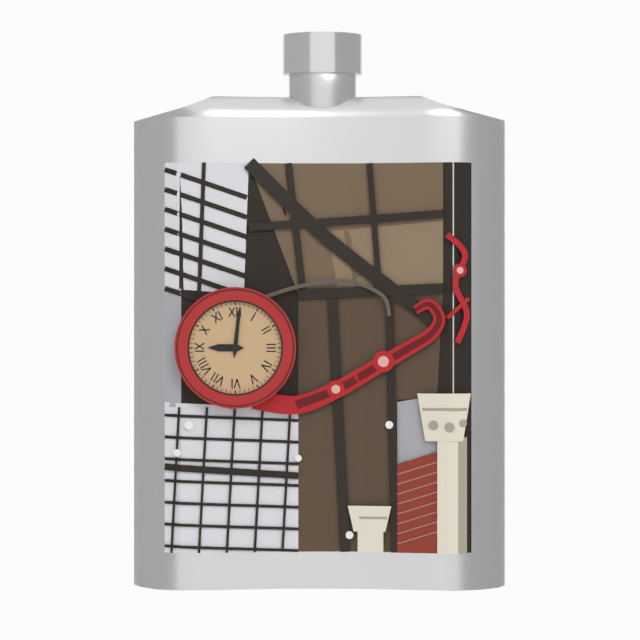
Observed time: 9h01
